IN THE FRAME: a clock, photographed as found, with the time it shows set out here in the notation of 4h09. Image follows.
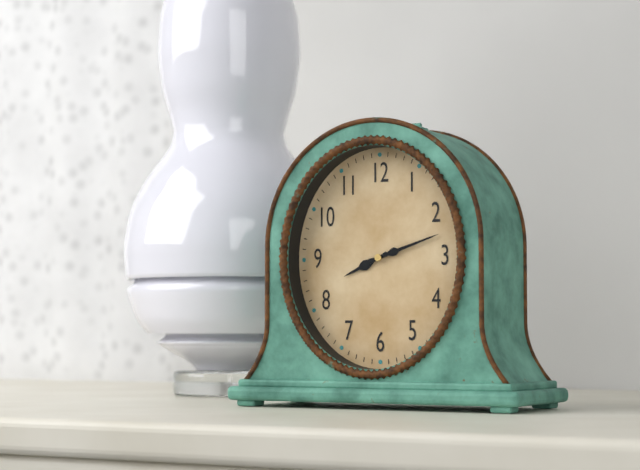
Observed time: 8h12
